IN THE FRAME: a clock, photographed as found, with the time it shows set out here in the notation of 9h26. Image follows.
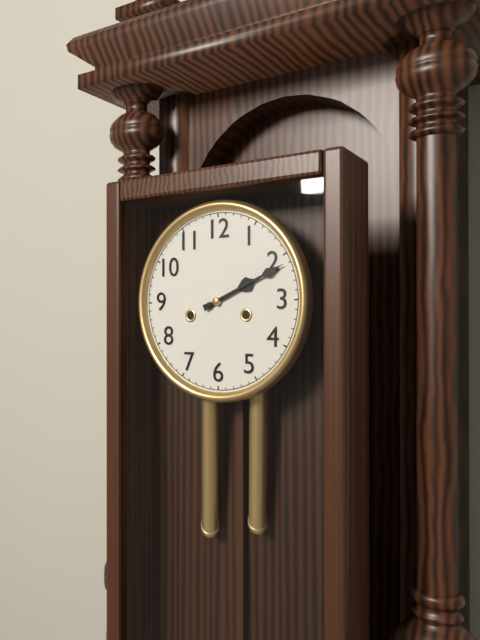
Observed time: 2h11
